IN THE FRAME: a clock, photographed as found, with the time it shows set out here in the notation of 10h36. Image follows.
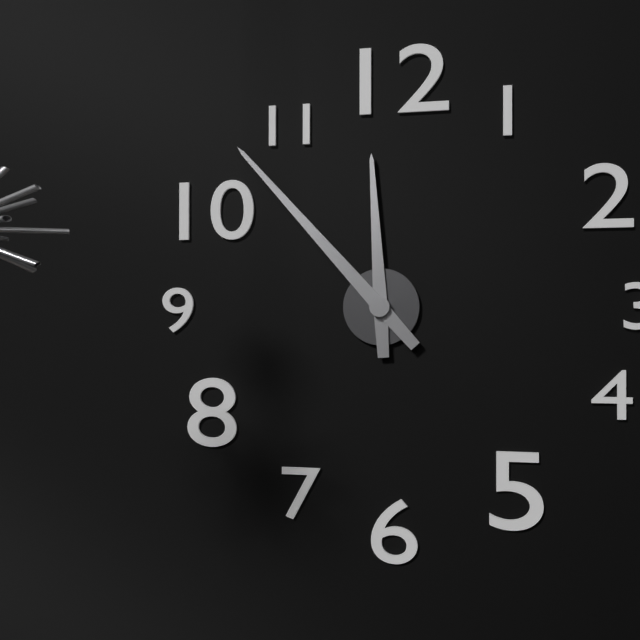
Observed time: 11h53
